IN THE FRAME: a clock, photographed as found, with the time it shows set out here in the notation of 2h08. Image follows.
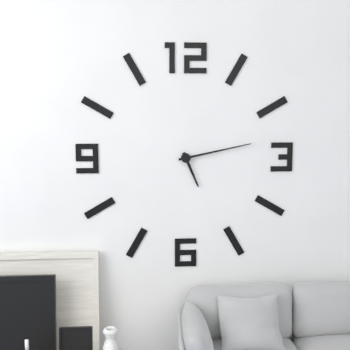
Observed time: 5h13
